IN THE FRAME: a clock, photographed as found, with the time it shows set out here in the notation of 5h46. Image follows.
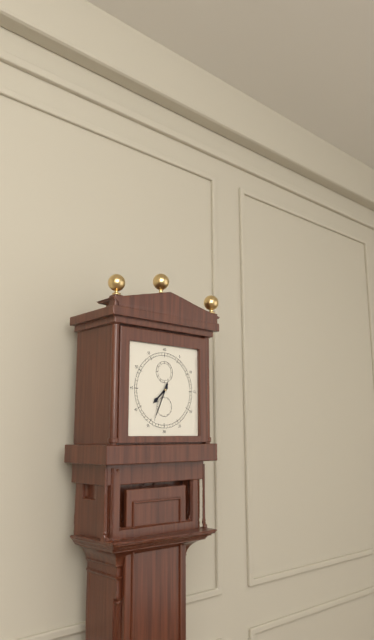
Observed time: 7h34
